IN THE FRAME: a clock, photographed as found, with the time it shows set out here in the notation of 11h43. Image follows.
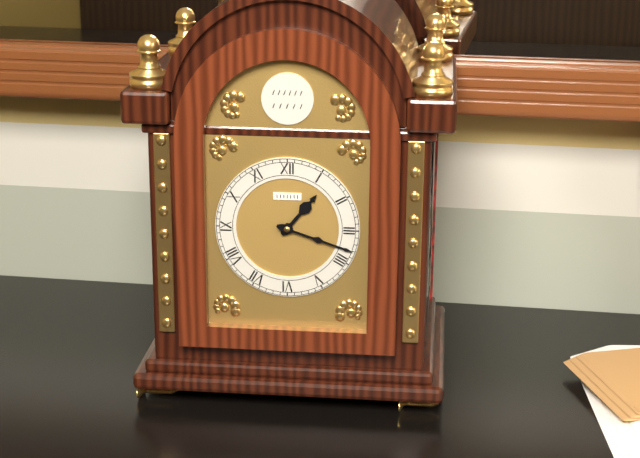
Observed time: 1h18
